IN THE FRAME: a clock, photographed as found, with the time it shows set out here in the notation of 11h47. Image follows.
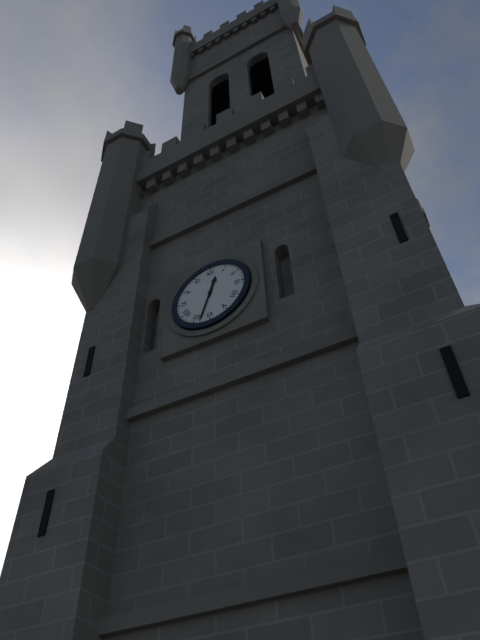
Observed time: 12h33
